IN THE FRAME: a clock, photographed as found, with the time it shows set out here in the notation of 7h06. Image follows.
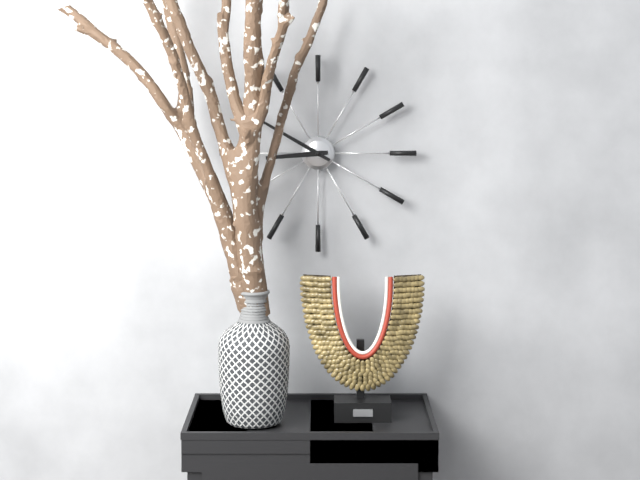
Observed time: 8h50
